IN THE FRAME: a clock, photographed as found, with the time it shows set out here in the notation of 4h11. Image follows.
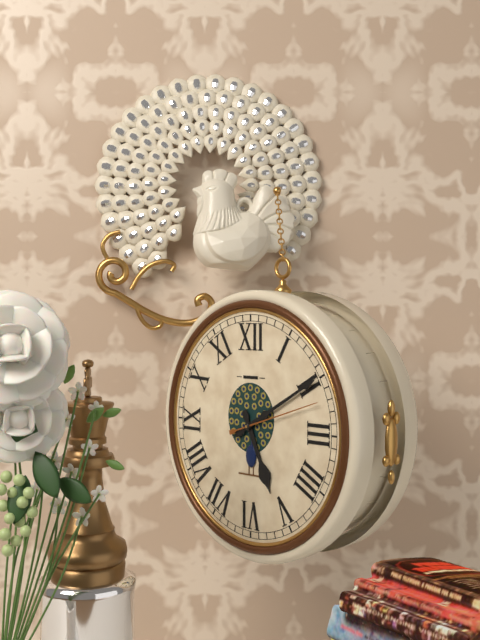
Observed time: 5h10
